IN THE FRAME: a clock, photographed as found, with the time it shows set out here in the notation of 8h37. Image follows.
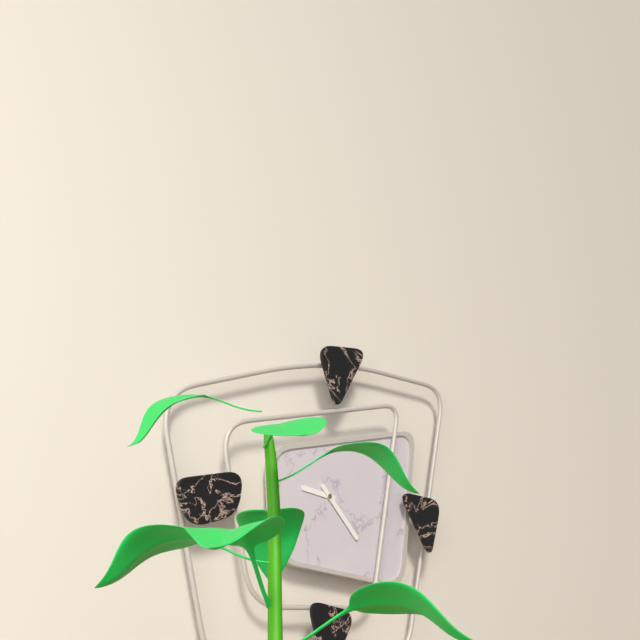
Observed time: 9h23
